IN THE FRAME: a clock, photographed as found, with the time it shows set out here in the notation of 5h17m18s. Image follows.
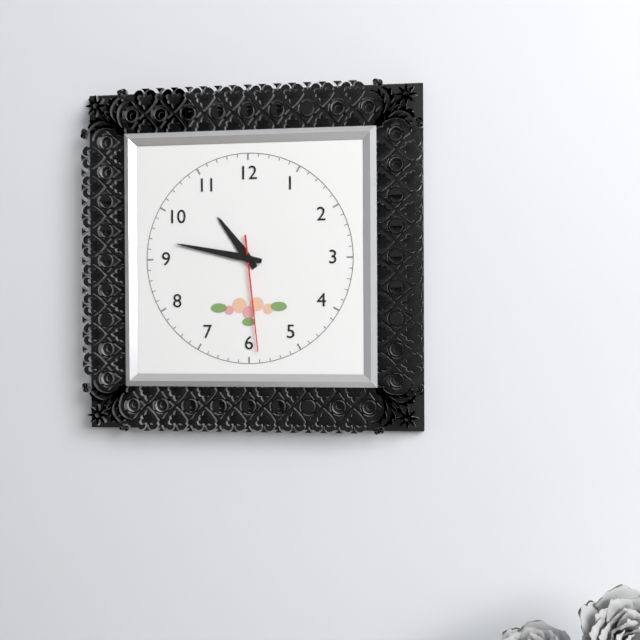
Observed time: 10h47m29s
